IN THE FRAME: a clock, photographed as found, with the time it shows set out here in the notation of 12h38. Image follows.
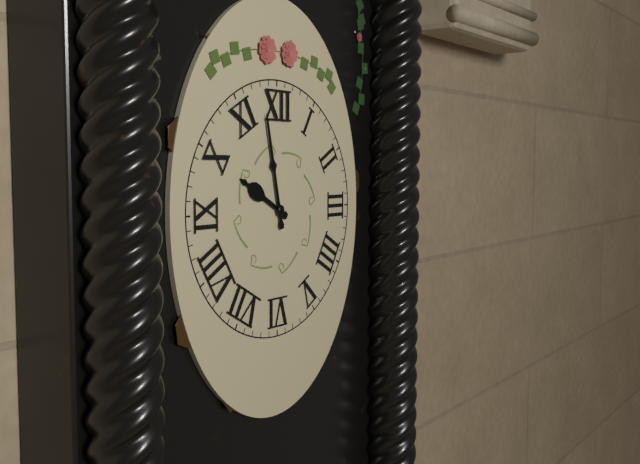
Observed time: 9h58
